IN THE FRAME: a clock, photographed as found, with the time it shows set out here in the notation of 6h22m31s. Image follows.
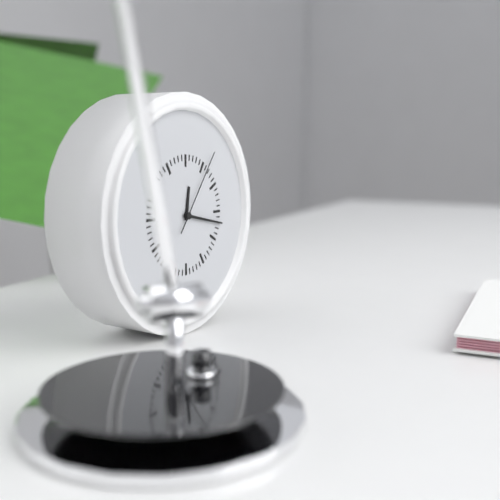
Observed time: 12h17m06s
